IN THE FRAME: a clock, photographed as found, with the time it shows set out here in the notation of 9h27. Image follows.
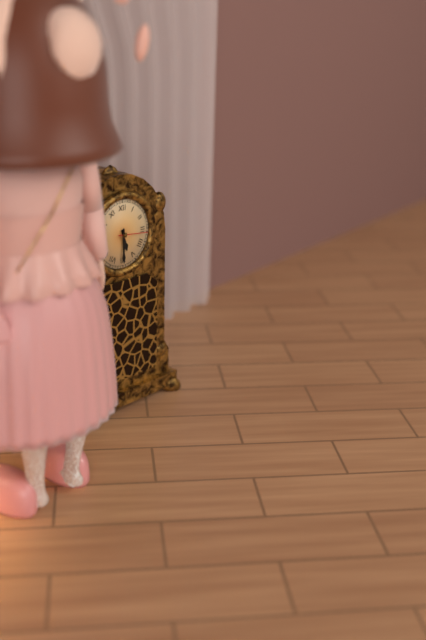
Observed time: 5h30
